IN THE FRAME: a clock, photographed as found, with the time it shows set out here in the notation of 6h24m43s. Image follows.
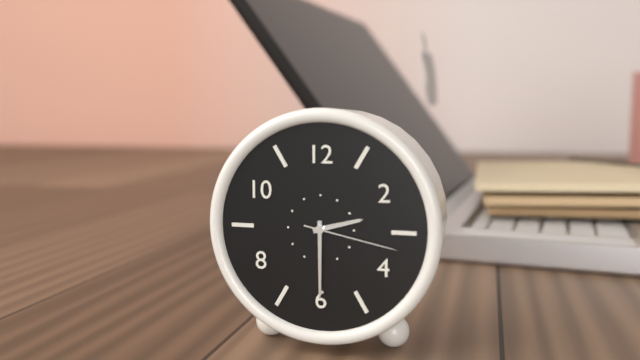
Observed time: 2h30m17s
